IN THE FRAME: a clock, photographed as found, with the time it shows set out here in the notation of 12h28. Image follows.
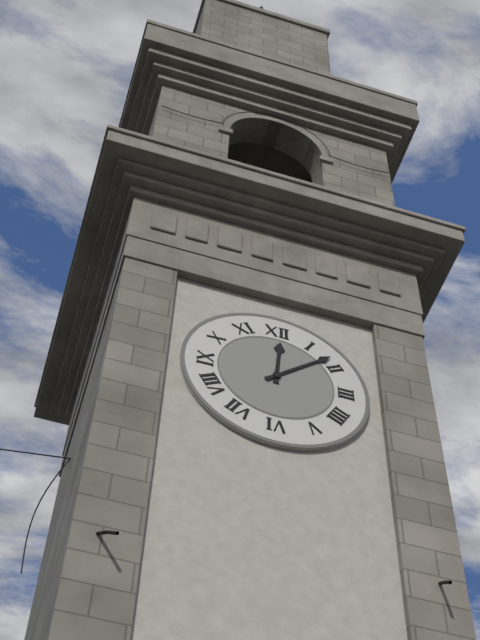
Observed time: 12h08
